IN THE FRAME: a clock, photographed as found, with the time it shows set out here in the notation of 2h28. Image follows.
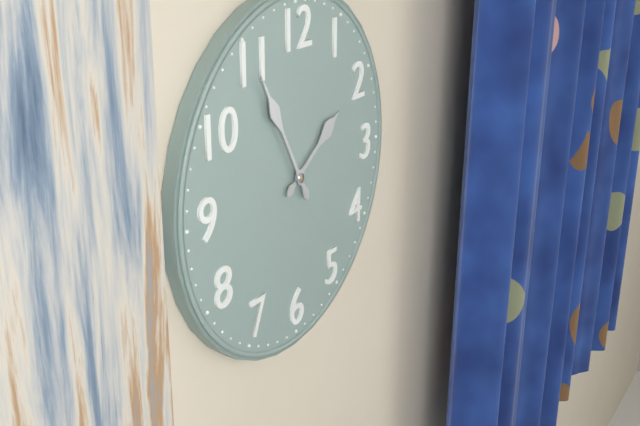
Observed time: 1h55
